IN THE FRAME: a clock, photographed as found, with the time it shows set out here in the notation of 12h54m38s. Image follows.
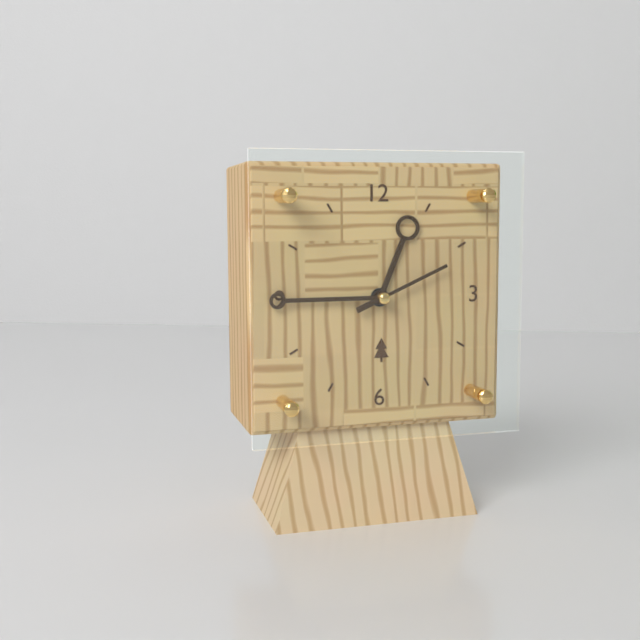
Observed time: 12h45m11s
